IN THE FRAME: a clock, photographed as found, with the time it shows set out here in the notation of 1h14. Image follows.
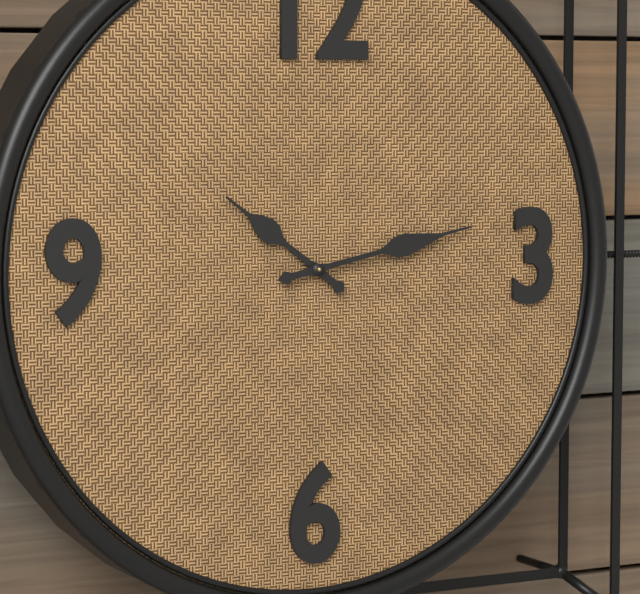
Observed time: 10h13
